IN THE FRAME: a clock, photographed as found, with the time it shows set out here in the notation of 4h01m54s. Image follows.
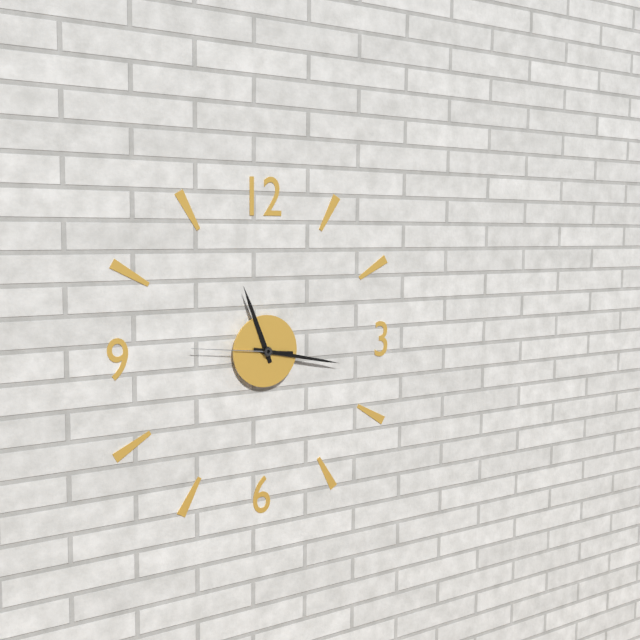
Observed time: 11h17m46s
